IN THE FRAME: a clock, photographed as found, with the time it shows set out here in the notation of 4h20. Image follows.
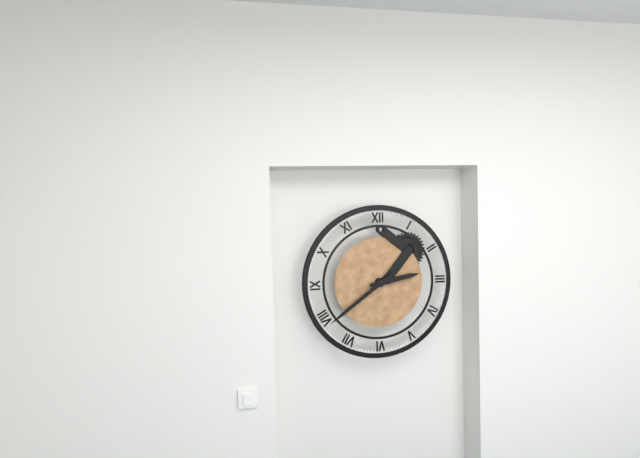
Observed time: 2h39
